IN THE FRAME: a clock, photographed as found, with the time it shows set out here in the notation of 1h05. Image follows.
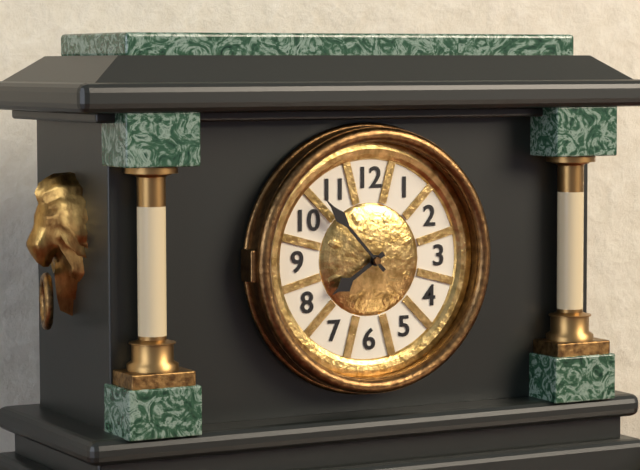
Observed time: 7h53
